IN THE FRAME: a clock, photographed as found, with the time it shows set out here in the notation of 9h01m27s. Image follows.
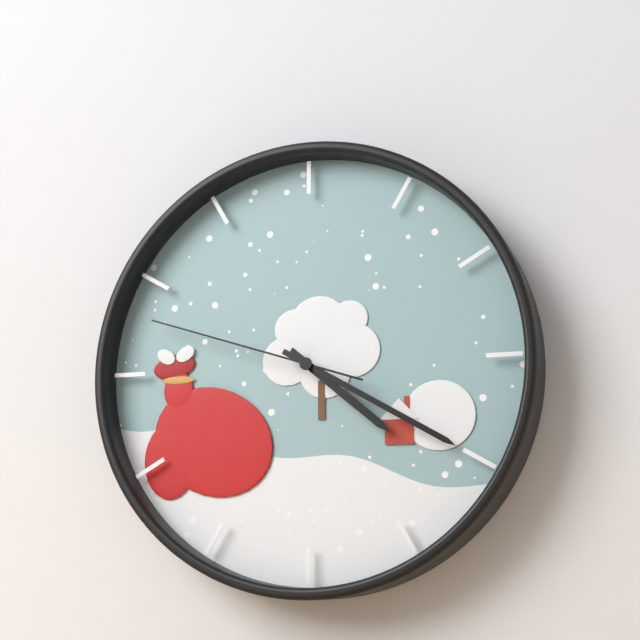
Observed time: 4h20m48s
